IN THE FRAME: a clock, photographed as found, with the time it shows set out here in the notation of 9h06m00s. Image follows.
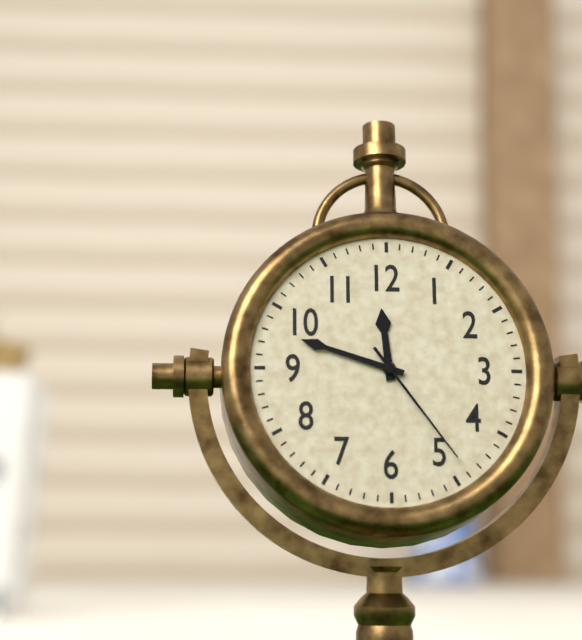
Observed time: 11h48m24s
